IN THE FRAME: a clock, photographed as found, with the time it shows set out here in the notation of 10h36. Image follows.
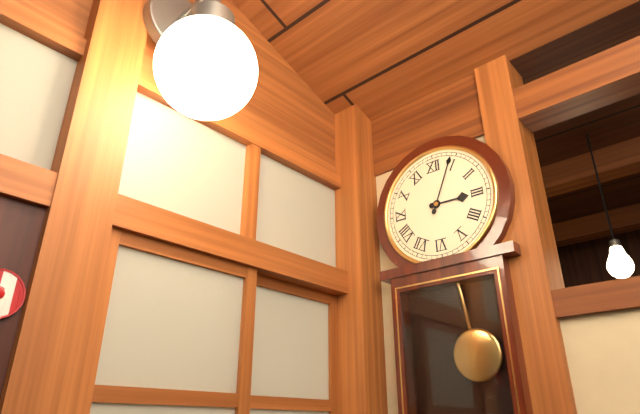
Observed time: 3h04
